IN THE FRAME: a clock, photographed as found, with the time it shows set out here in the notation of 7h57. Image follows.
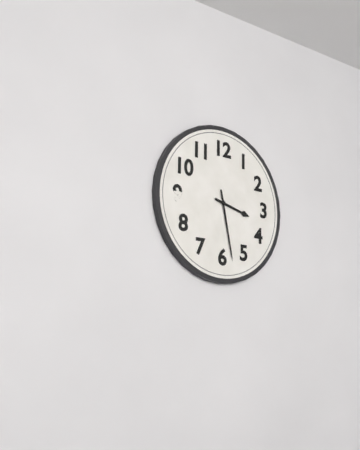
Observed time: 3h28
